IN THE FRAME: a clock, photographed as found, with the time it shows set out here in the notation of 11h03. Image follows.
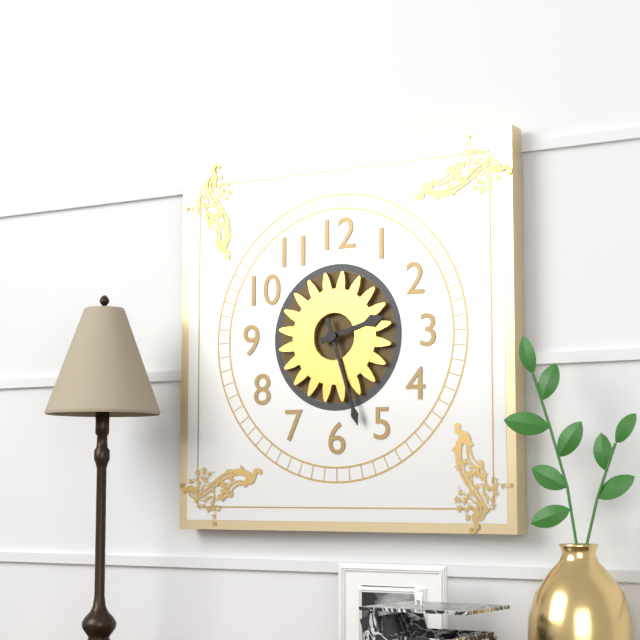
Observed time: 2h27
